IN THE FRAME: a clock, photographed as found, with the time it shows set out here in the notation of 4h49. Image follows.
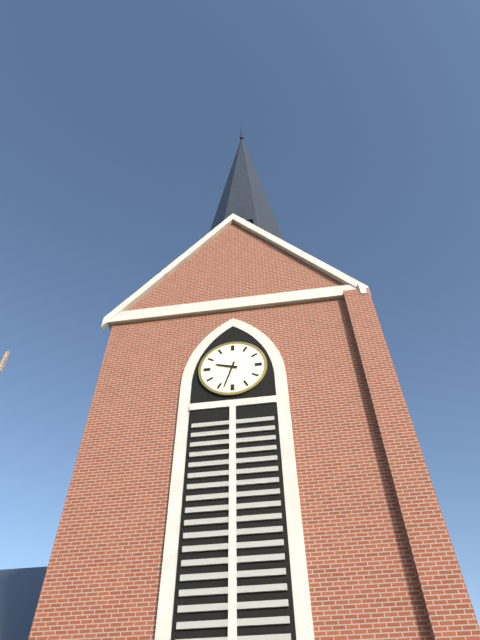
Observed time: 9h33
